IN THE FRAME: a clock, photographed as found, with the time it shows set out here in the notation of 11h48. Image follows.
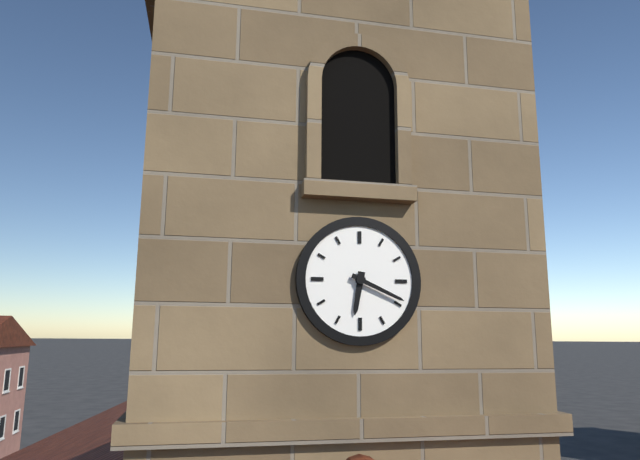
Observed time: 6h19
